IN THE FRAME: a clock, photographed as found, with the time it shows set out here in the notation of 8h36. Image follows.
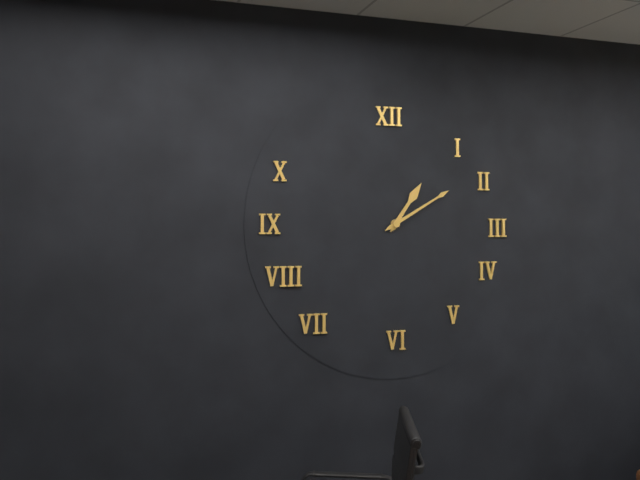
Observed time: 1h10
